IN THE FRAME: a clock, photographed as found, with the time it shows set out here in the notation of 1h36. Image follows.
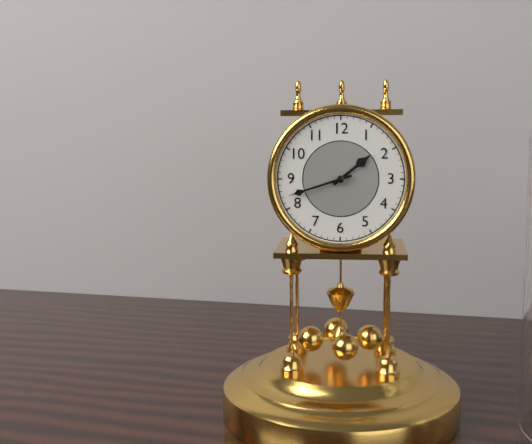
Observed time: 1h42
